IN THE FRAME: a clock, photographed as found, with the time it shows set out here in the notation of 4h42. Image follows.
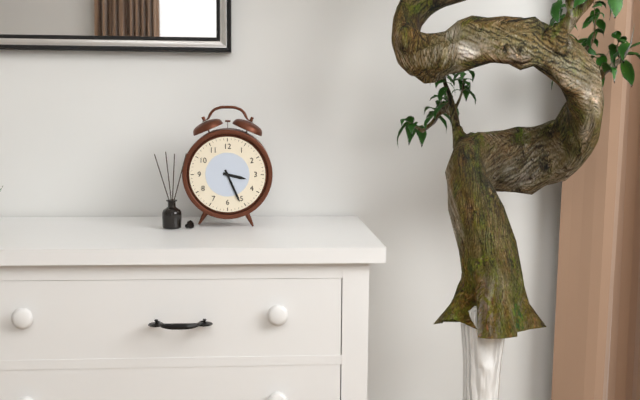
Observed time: 3h26
